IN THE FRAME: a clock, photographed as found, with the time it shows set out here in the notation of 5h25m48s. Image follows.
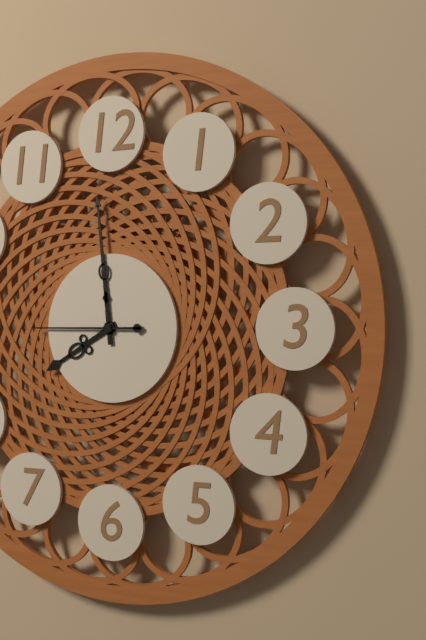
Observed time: 7h59m45s
